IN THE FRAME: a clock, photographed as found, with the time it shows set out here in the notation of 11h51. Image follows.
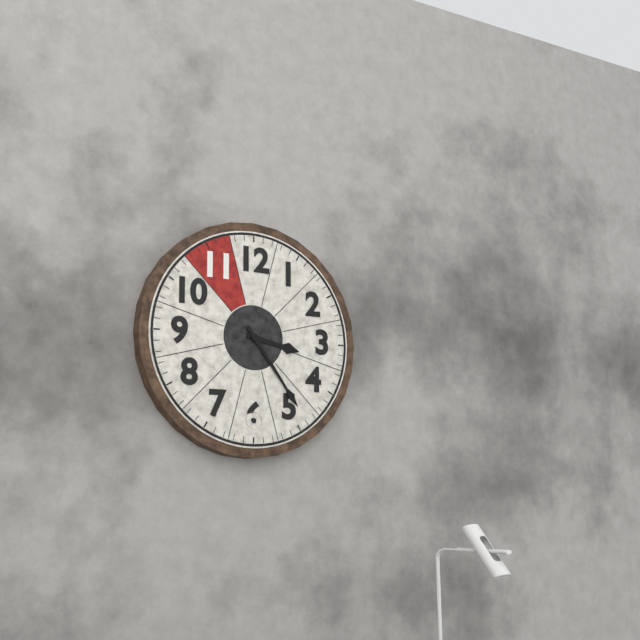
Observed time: 3h24
